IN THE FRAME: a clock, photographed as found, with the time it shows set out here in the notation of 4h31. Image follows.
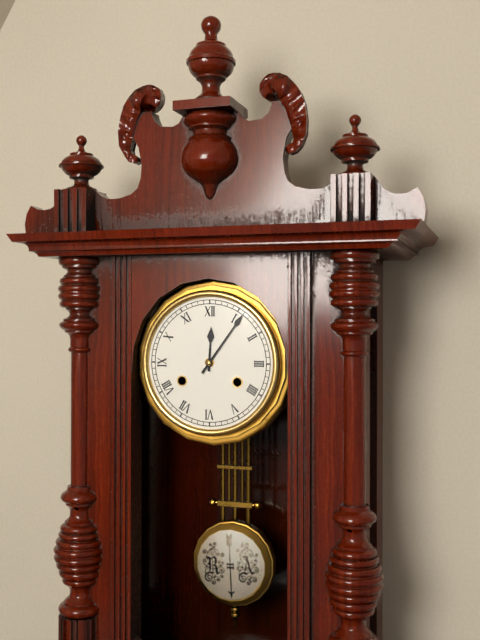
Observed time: 12h06
